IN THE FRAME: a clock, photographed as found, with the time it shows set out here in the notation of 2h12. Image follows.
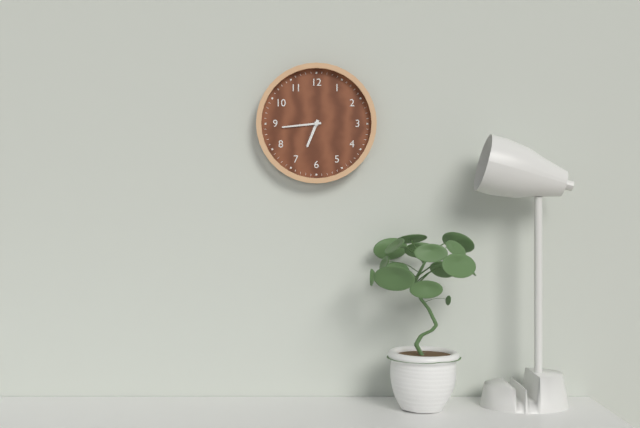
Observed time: 6h44
